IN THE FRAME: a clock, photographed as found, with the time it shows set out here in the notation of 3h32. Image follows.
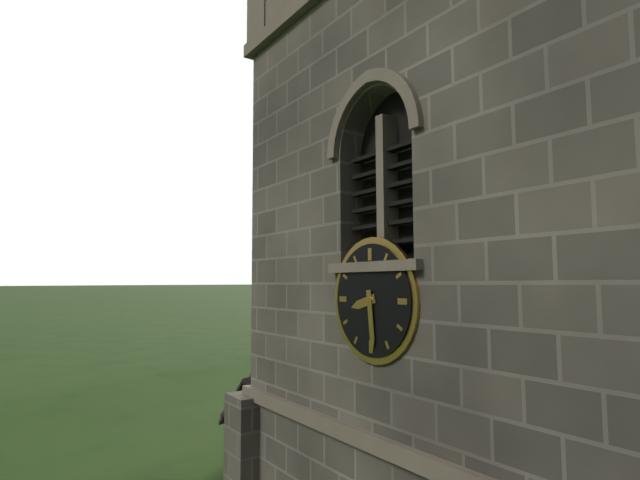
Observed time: 8h29
